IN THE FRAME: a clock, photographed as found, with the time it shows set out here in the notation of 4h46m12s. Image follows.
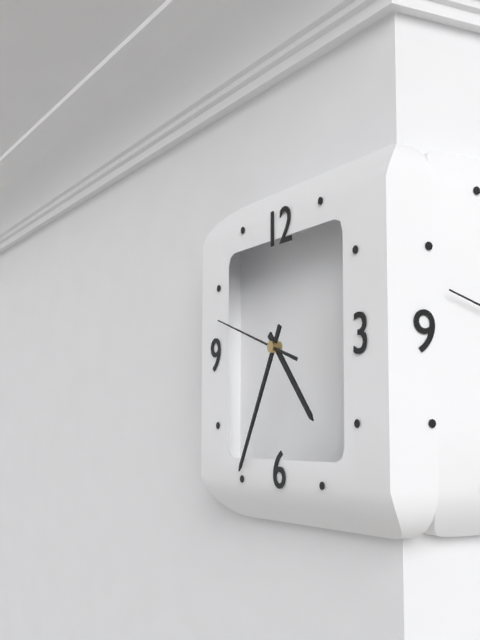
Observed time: 4h35m48s
